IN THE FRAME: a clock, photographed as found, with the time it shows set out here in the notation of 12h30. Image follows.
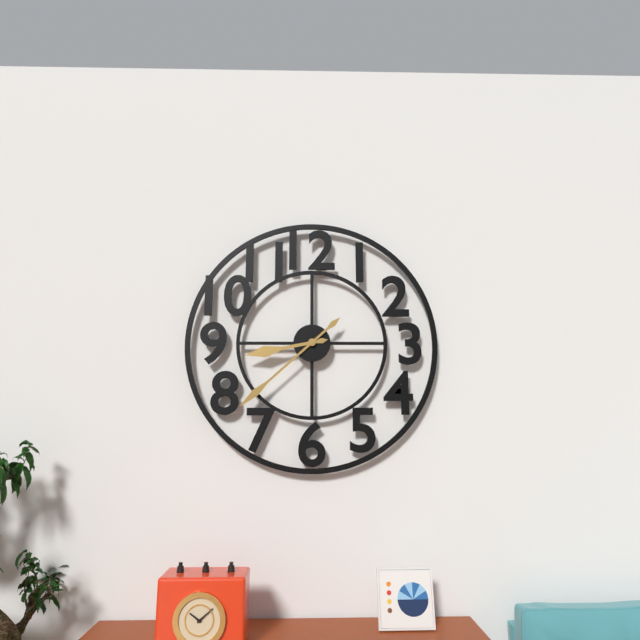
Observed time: 8h38
